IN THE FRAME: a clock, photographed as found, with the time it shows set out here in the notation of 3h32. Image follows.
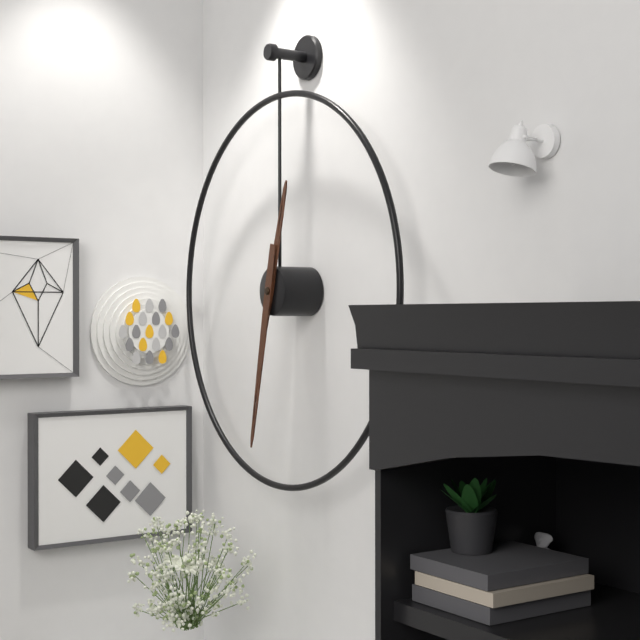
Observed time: 12h32
